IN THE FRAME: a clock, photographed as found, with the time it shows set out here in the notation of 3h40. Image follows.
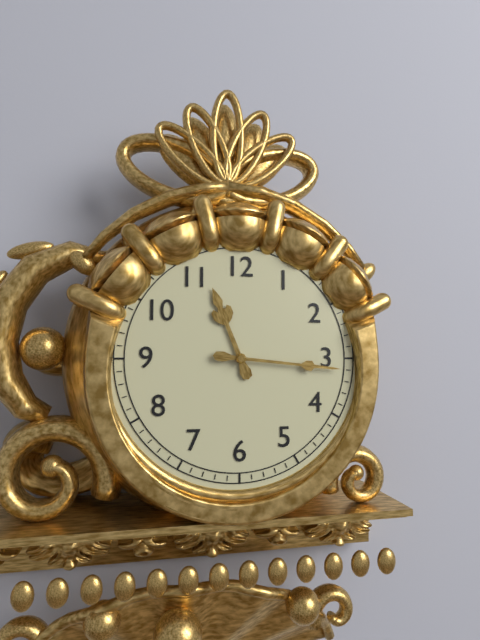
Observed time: 11h16
